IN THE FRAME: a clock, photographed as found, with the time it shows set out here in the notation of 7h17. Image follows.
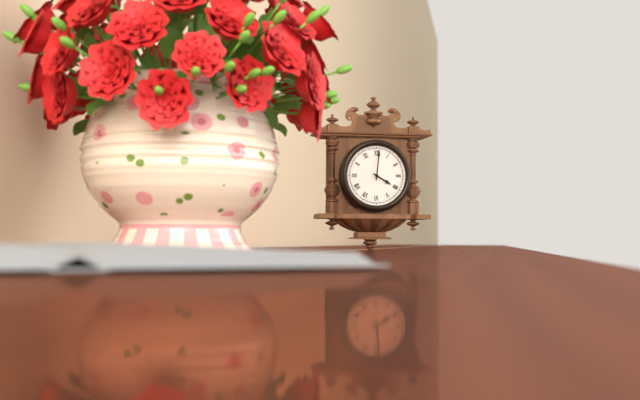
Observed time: 4h01
